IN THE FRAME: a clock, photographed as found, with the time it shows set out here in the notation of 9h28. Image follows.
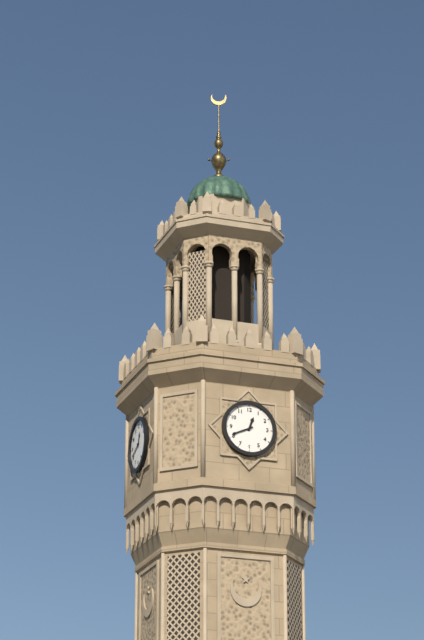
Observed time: 12h41
